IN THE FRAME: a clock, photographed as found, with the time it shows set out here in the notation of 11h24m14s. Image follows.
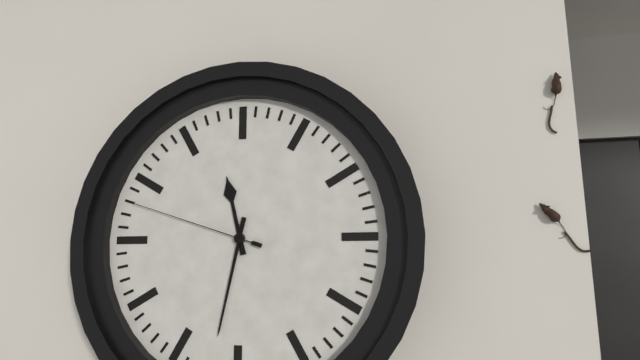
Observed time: 11h32m48s
